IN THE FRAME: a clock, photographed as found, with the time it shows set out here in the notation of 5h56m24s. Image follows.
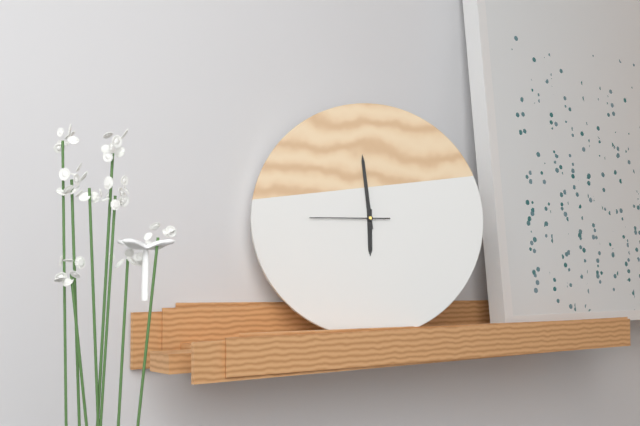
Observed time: 5h59m45s
